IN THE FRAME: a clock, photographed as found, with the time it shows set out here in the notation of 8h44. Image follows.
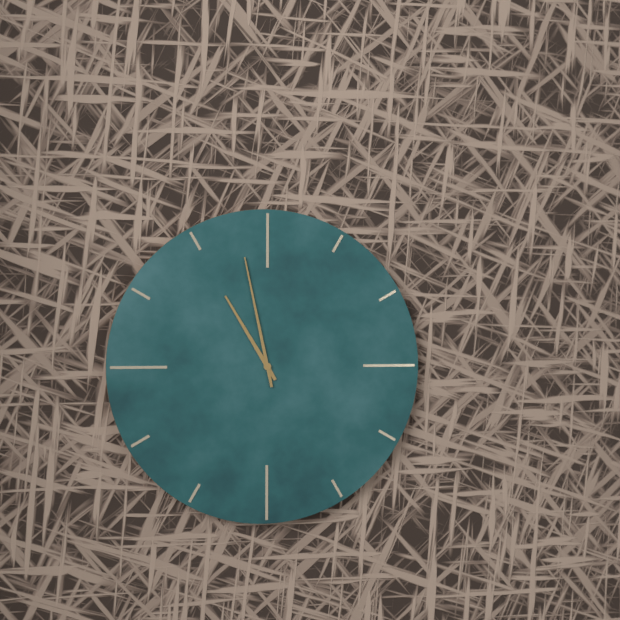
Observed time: 10h58
